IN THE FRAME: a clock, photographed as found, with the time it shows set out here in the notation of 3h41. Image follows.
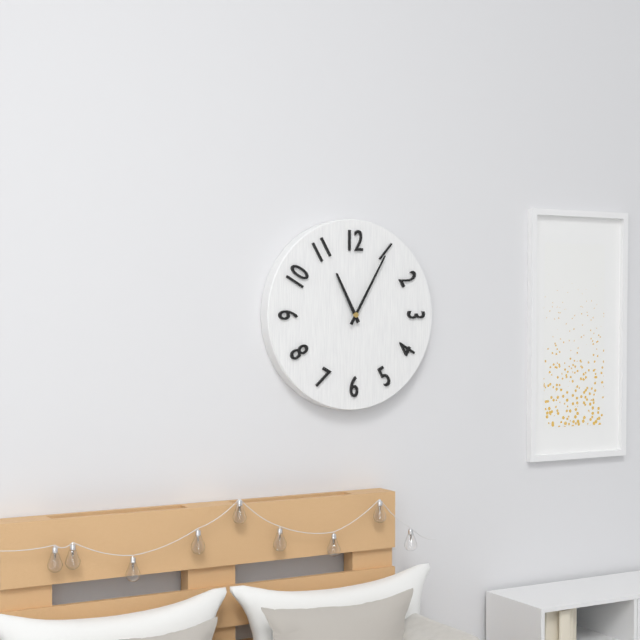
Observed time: 11h05
